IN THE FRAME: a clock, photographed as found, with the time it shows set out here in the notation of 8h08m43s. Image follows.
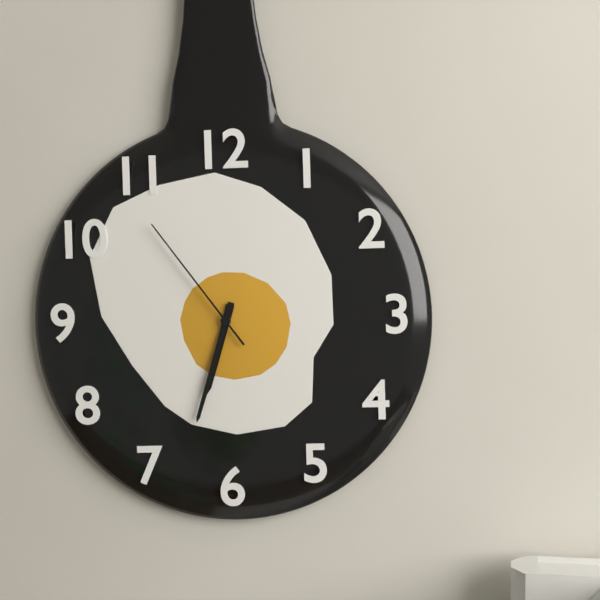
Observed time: 6h33m54s
